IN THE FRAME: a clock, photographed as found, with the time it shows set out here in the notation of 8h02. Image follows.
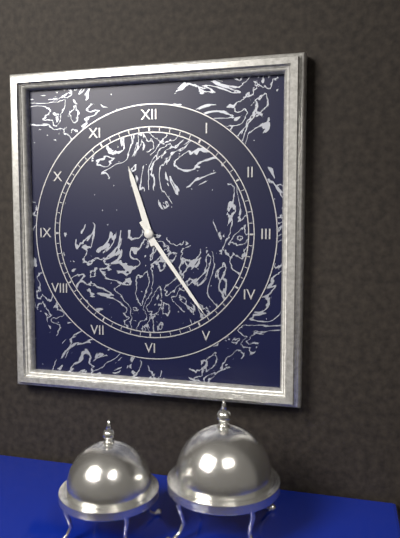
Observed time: 11h24
